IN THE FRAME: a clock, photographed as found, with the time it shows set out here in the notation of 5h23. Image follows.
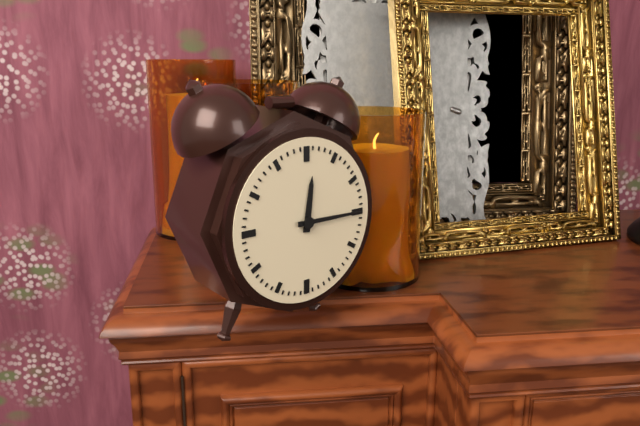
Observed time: 12h15
